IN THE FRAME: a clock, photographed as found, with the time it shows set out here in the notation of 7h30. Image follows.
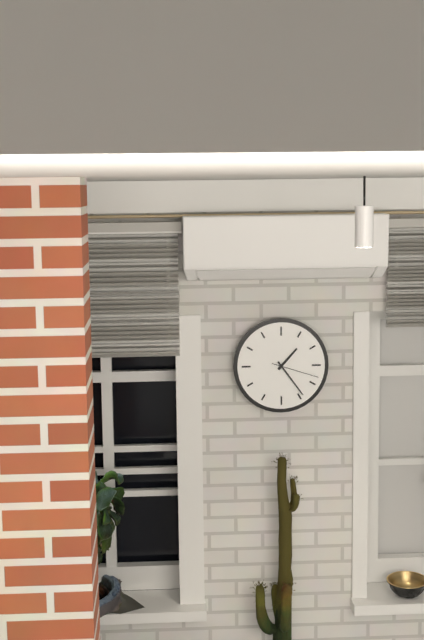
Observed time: 1h24
